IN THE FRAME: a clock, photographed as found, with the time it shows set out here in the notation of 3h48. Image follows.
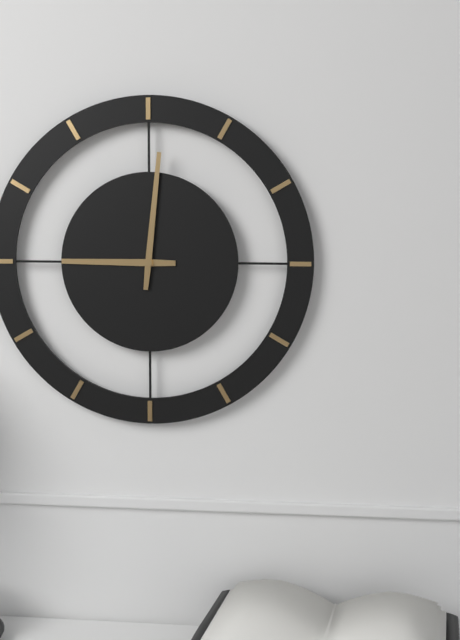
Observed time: 9h01
